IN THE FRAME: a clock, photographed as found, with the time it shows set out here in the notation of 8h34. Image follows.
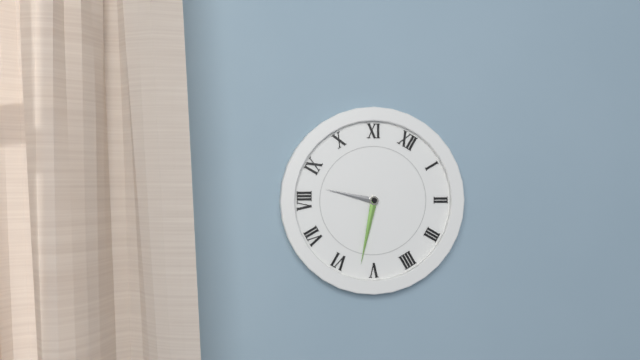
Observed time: 8h27
